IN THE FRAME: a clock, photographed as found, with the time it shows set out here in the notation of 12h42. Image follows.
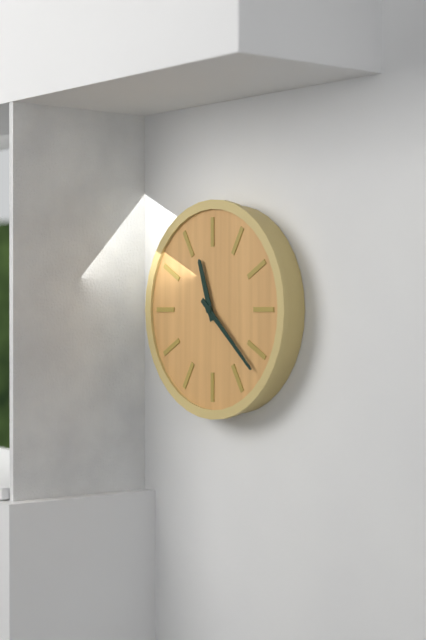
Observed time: 11h22
